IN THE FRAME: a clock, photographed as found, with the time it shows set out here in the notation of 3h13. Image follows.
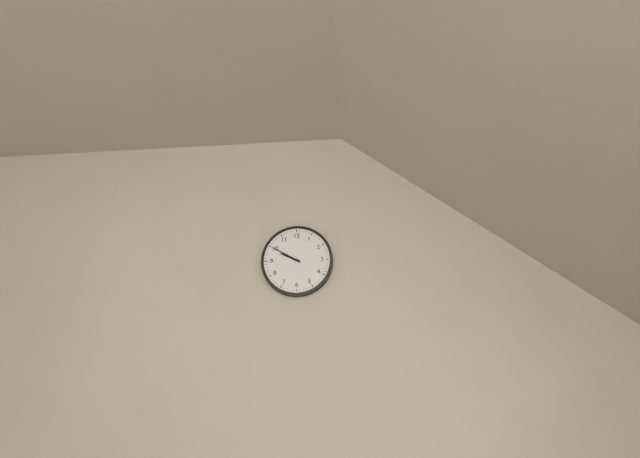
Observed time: 9h50
